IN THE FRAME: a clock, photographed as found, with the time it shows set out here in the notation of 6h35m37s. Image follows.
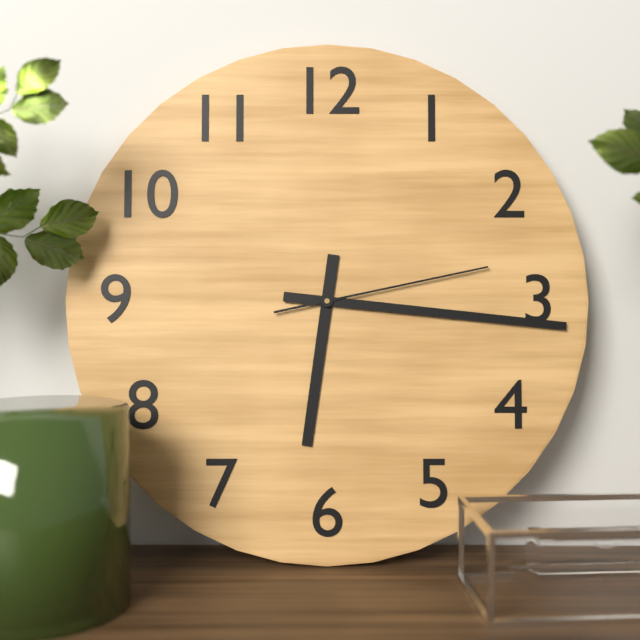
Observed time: 6h16m13s
